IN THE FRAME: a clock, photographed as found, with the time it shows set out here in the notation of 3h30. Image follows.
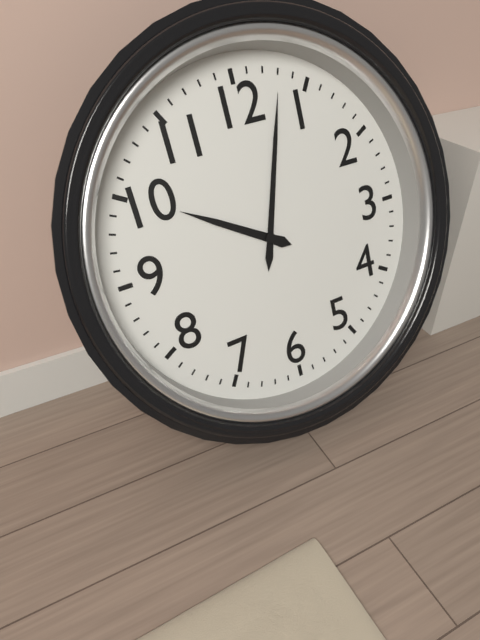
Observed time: 10h03
